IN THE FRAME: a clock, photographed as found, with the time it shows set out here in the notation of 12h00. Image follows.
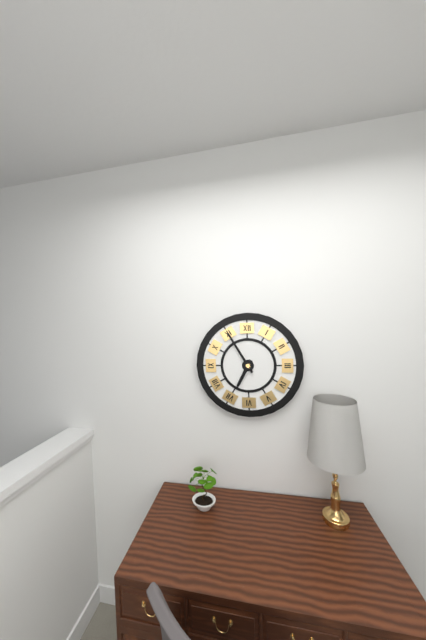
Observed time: 6h55
